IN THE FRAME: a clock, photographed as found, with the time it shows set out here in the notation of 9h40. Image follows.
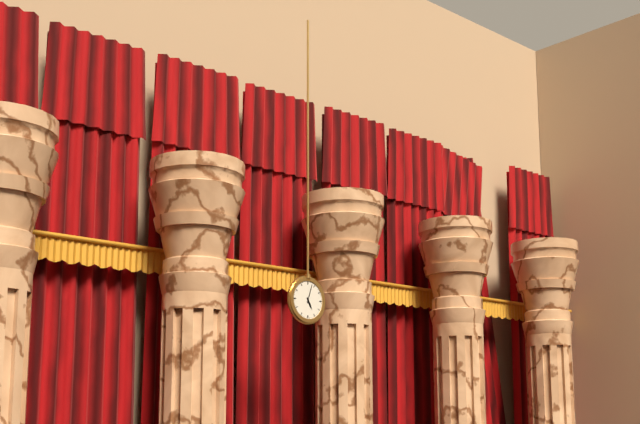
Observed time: 5h03
